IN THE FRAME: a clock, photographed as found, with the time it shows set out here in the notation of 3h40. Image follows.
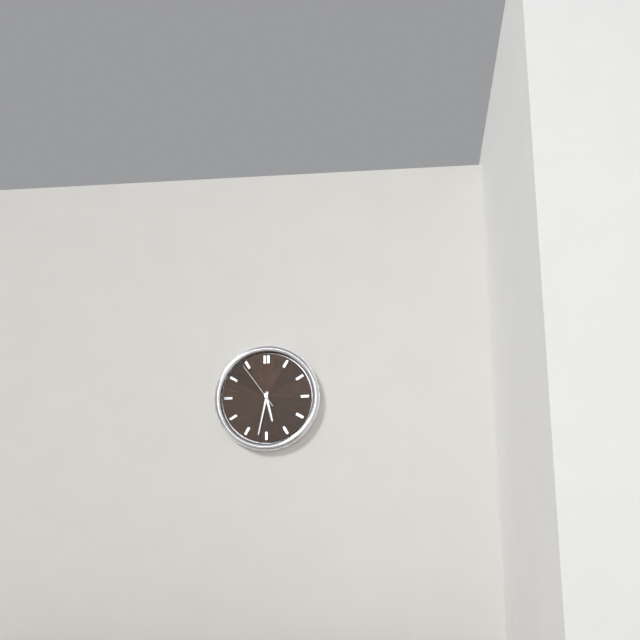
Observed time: 5h32
